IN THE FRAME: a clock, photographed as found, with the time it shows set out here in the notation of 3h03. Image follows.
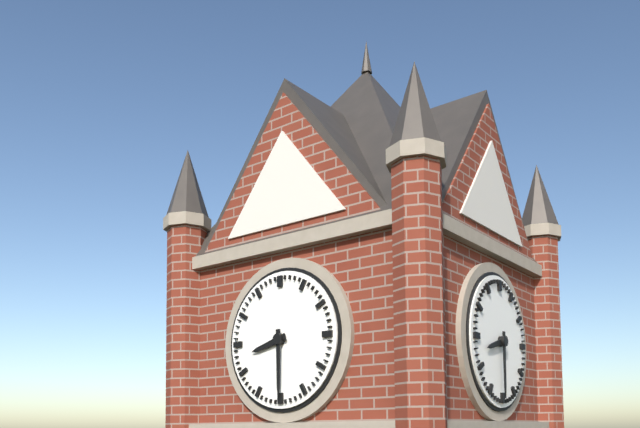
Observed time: 8h30
